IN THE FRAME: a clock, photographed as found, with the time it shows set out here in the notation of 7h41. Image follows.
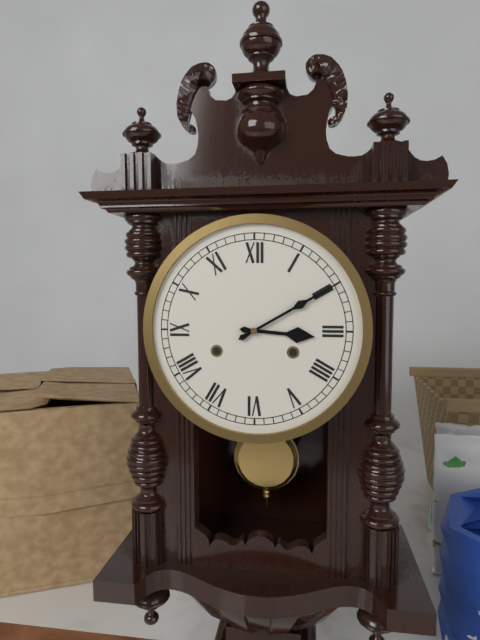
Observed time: 3h10
